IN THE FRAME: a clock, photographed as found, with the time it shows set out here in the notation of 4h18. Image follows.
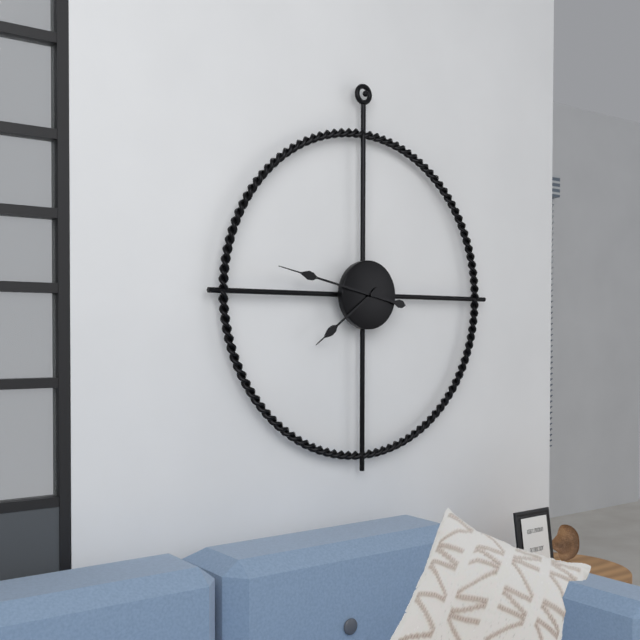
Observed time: 7h47
